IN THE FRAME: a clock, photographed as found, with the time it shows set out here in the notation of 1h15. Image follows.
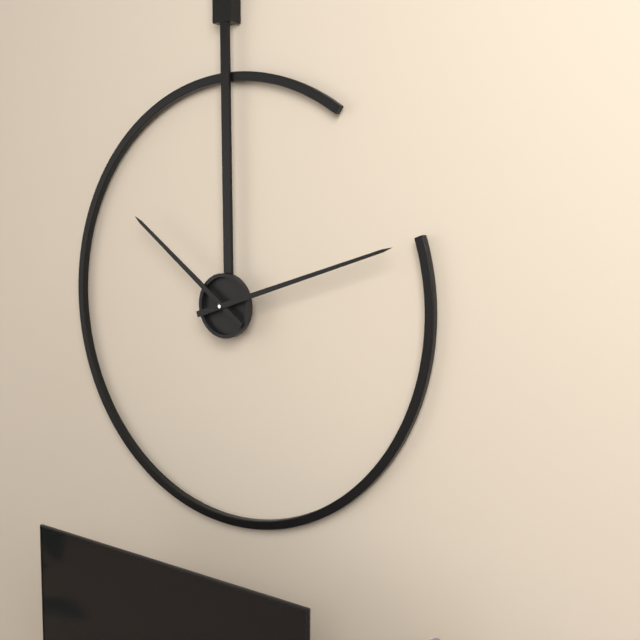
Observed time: 10h12
